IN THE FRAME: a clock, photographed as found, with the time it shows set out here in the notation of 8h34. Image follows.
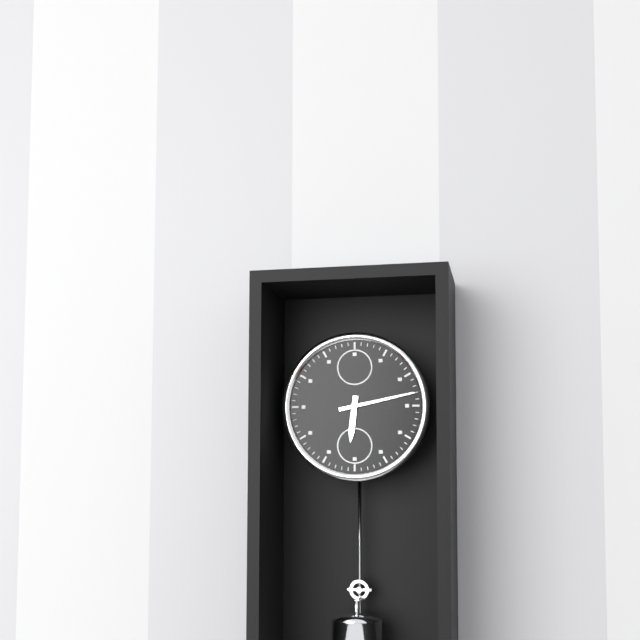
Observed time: 6h13
